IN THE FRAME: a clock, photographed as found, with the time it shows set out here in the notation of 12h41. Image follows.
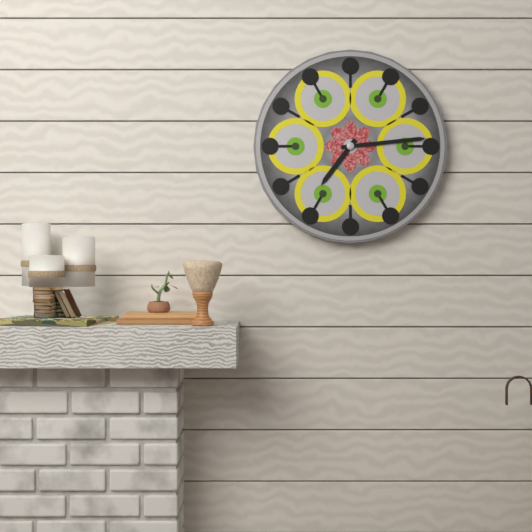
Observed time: 7h14
